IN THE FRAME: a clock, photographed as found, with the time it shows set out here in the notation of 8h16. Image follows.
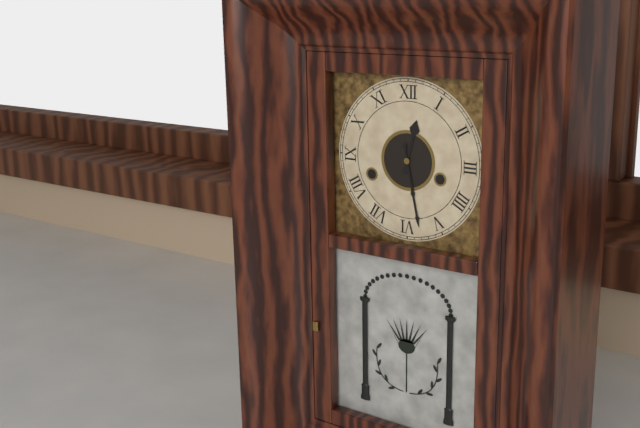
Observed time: 12h28
